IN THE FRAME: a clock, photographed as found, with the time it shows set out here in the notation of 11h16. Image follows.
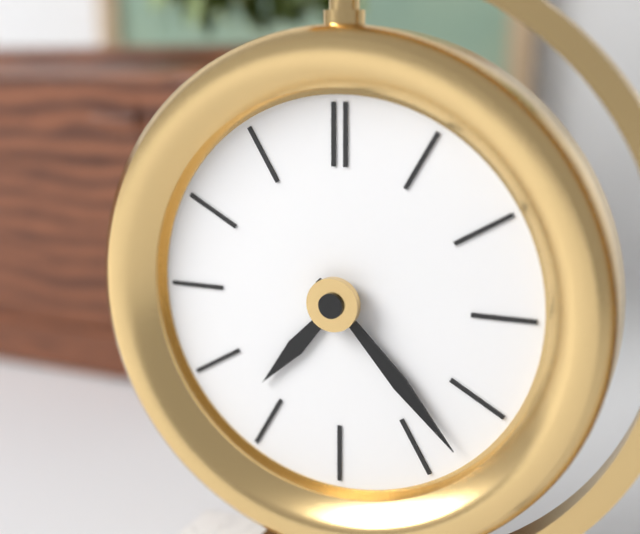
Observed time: 7h23
